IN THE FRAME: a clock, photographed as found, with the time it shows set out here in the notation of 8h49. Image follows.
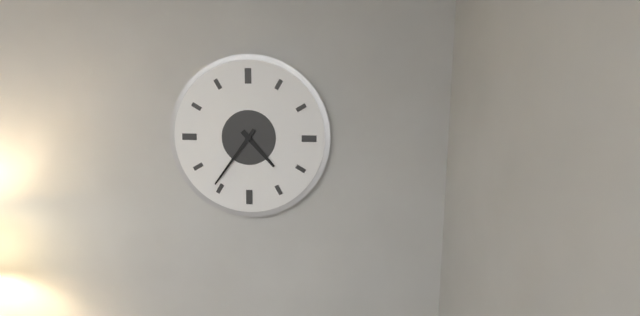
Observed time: 4h36
